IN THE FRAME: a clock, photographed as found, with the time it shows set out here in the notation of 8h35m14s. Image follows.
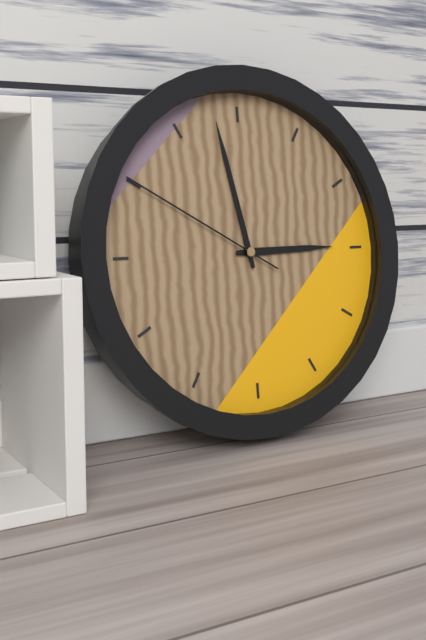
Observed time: 2h58m50s
